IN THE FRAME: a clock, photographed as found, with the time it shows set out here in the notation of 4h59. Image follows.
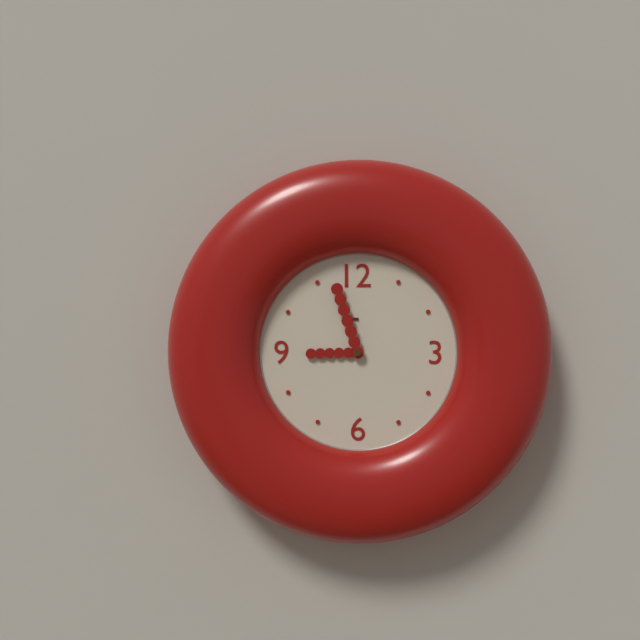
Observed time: 8h57
